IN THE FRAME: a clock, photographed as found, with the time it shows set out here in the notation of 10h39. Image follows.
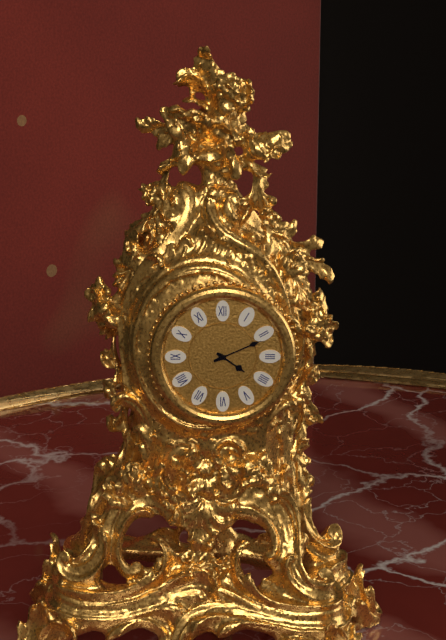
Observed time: 4h11
